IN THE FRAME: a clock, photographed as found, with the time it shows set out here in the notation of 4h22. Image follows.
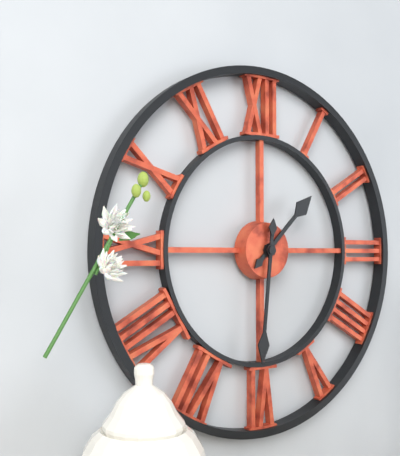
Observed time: 1h31
